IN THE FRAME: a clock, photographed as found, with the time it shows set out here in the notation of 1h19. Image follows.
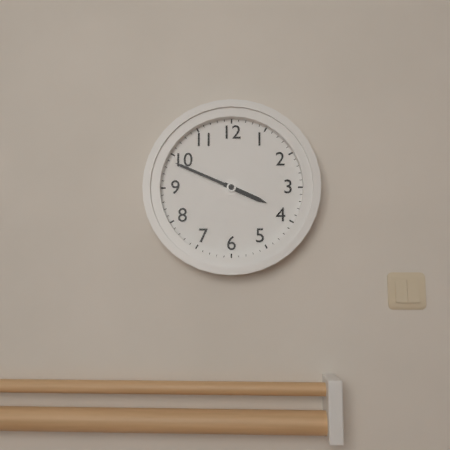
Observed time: 3h49
